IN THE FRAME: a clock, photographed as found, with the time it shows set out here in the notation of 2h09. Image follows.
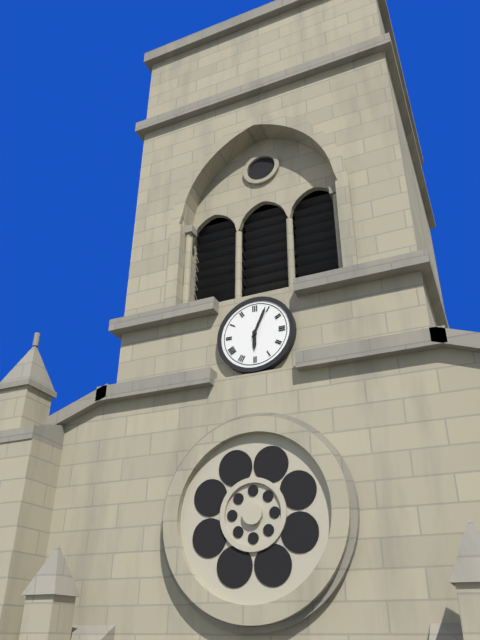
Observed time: 6h04
